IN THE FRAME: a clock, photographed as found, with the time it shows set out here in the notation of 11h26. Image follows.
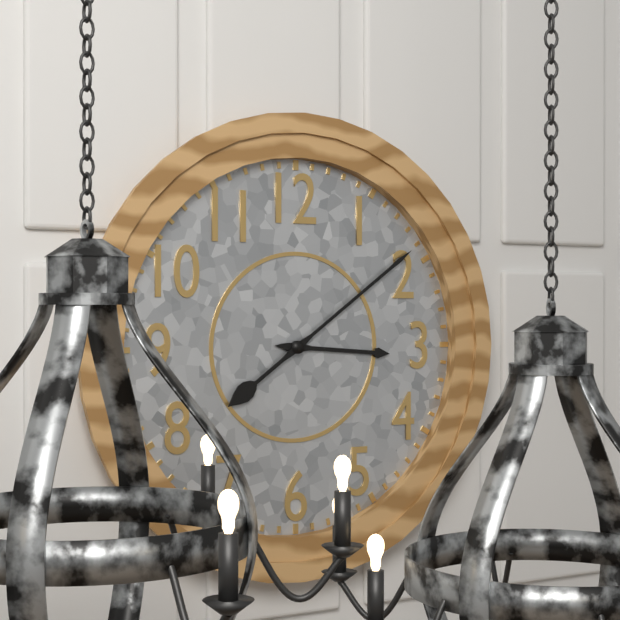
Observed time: 3h09
